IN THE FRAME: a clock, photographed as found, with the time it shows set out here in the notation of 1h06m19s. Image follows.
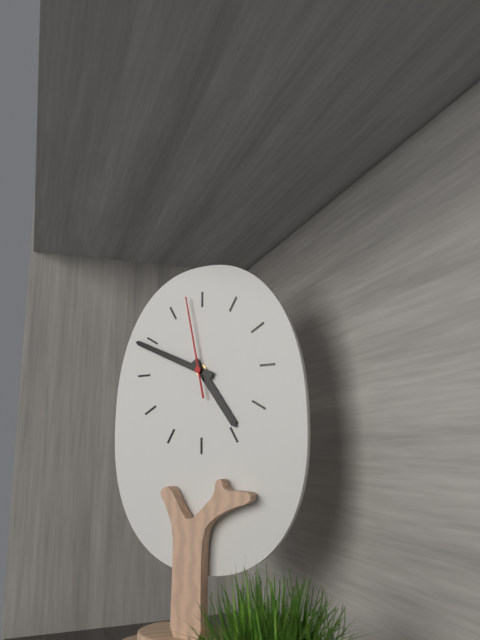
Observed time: 4h49m58s
